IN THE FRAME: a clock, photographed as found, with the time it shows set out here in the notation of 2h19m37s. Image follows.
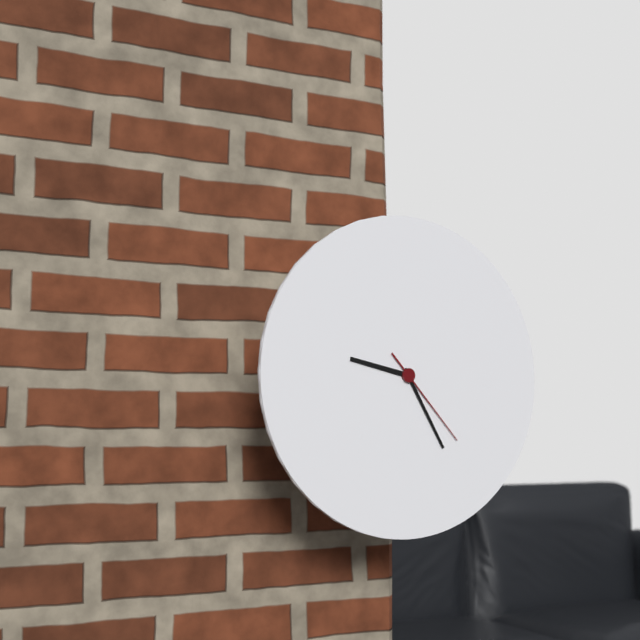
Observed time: 9h25m23s
